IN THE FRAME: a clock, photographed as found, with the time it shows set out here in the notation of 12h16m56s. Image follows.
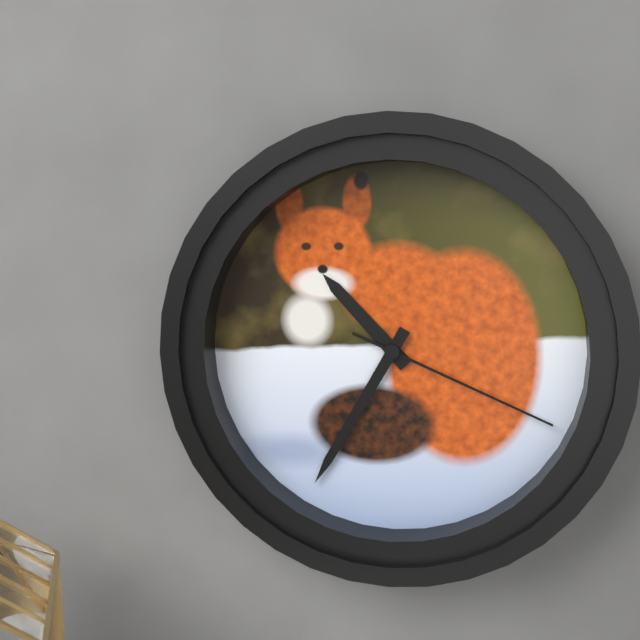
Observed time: 10h35m19s
